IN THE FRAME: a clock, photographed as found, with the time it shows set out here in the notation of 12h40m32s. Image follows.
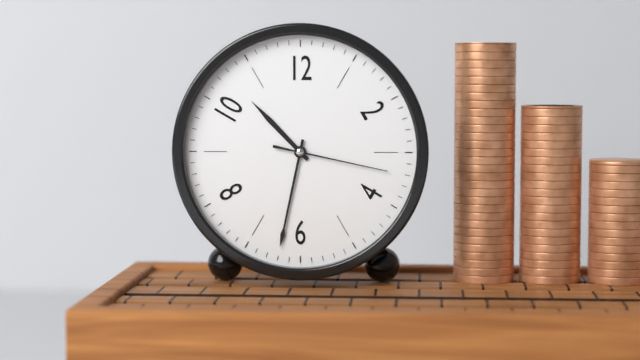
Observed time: 10h32m17s
